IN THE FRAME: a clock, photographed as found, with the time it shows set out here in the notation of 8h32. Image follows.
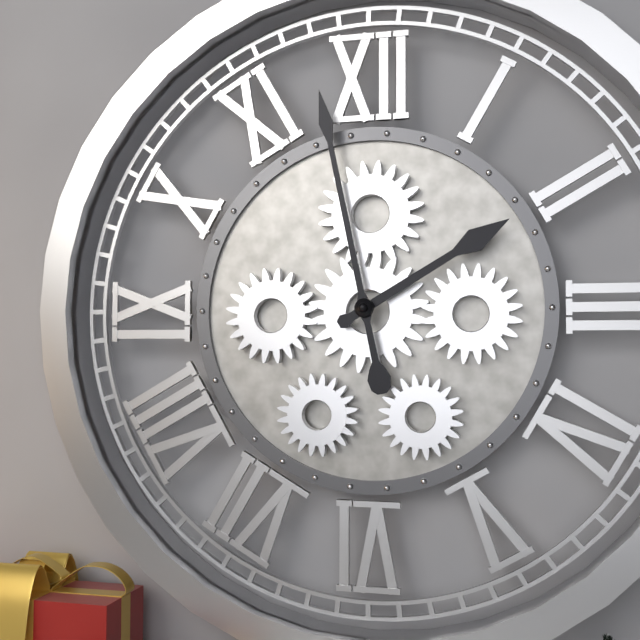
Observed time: 1h58
